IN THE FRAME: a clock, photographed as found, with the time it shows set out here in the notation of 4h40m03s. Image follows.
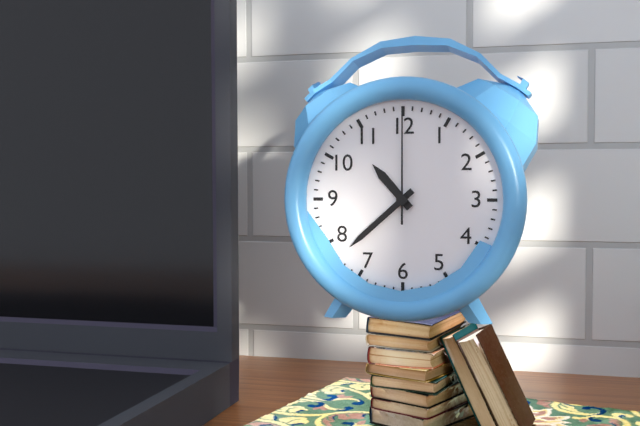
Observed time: 10h38m00s
